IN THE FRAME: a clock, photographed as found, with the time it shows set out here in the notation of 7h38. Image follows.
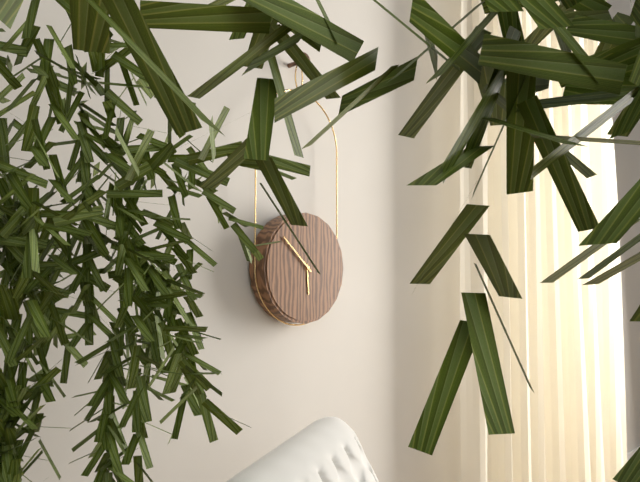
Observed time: 5h52
